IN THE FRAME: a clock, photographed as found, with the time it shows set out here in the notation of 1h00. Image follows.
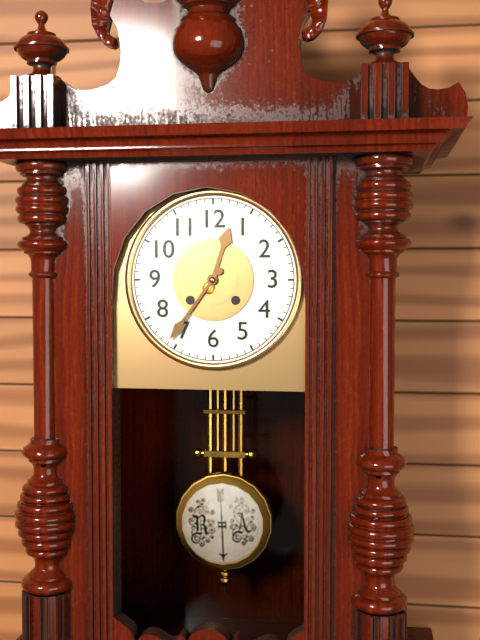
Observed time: 12h36
